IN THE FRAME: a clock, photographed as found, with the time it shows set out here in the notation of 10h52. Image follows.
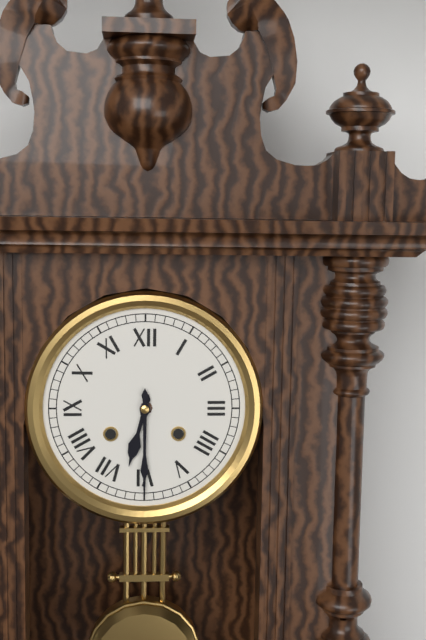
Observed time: 6h30
